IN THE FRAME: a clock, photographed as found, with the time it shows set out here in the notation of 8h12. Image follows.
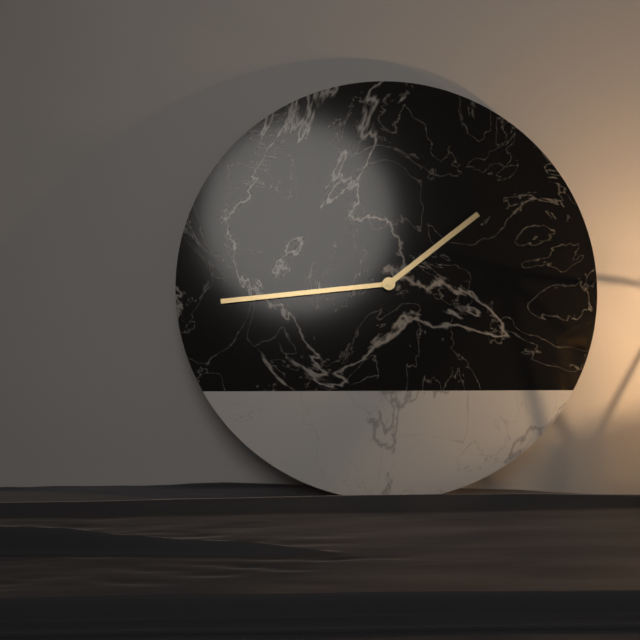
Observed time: 1h44
